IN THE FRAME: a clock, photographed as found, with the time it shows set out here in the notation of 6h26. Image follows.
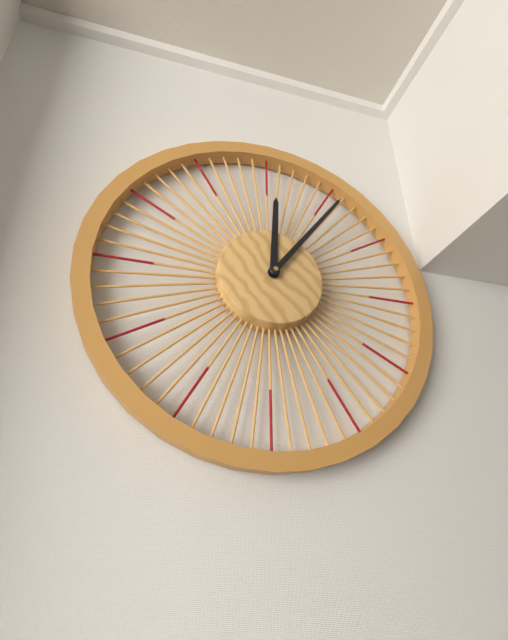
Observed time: 12h06
